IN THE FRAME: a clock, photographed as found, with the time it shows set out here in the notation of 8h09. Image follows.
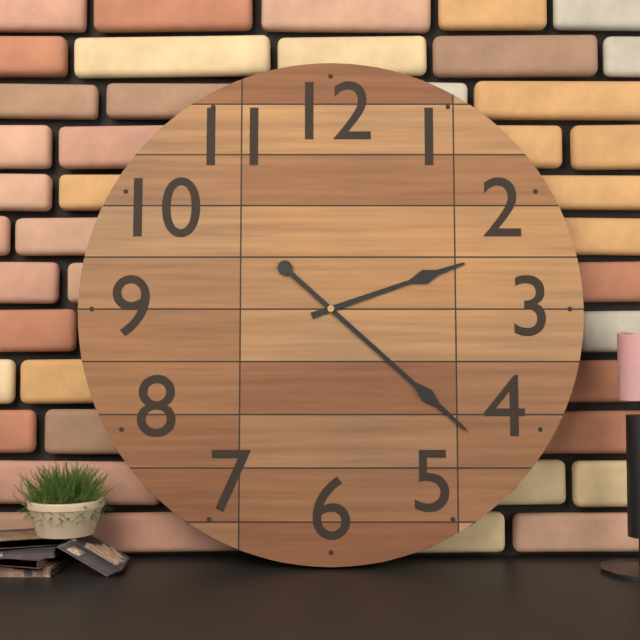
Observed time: 2h22
